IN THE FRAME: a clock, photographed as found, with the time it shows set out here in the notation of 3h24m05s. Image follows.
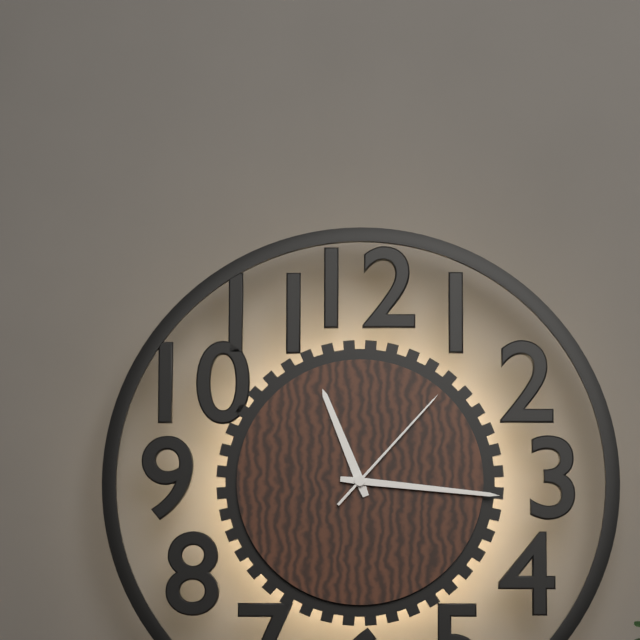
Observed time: 11h16m07s
